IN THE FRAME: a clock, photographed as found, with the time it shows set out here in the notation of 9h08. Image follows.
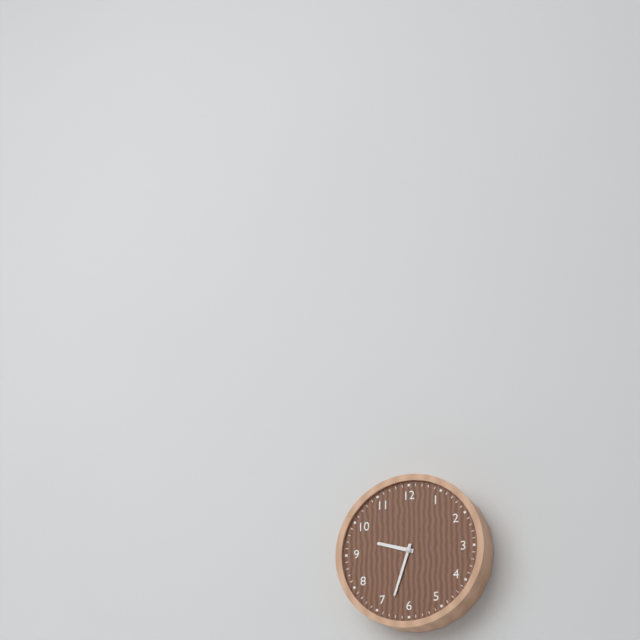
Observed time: 9h33
